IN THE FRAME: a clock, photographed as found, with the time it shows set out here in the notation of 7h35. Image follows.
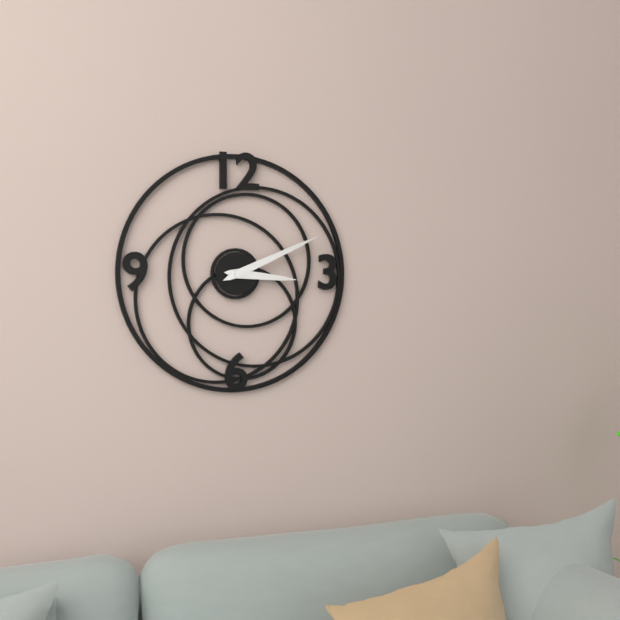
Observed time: 3h11
